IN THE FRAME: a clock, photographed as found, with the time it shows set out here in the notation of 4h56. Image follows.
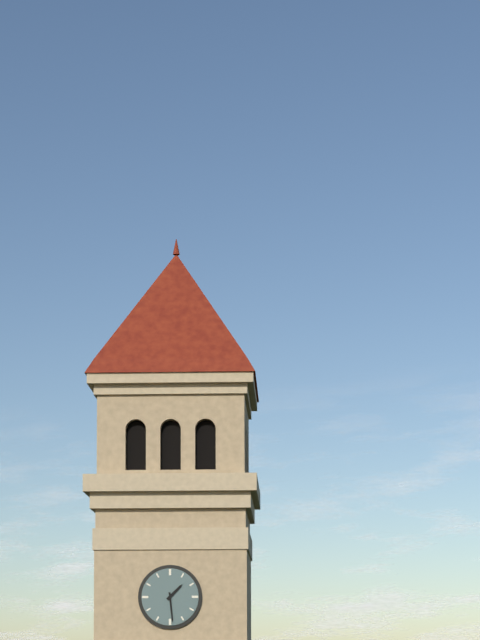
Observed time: 1h29
